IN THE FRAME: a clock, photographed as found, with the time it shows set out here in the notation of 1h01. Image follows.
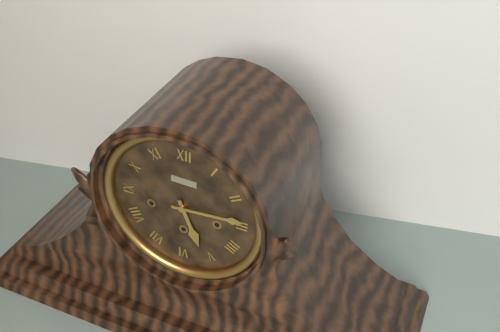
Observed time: 5h14
